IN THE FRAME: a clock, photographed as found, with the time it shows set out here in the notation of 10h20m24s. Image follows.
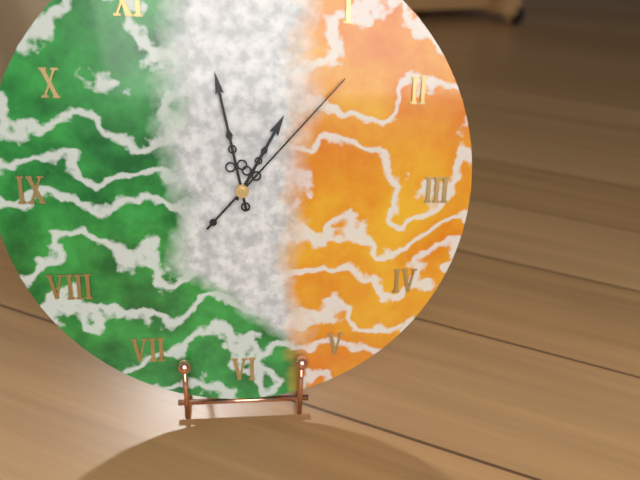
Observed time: 12h58m07s
